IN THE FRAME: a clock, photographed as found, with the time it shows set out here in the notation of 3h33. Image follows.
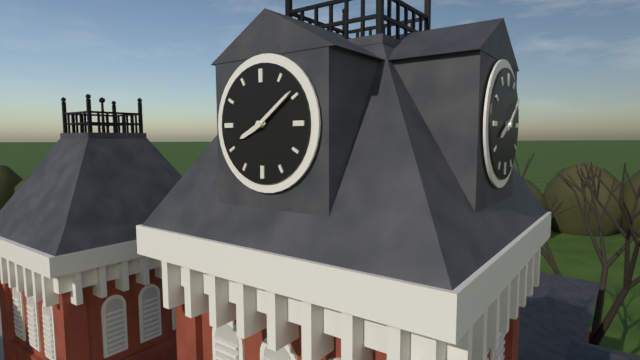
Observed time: 8h09
